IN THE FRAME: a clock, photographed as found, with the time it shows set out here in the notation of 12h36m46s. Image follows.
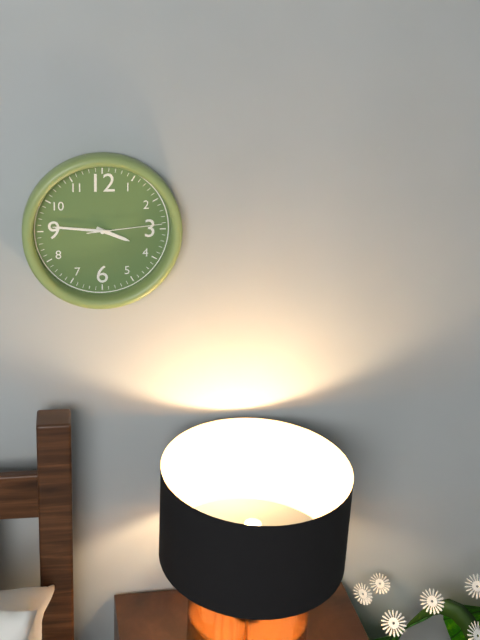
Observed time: 3h46m14s
